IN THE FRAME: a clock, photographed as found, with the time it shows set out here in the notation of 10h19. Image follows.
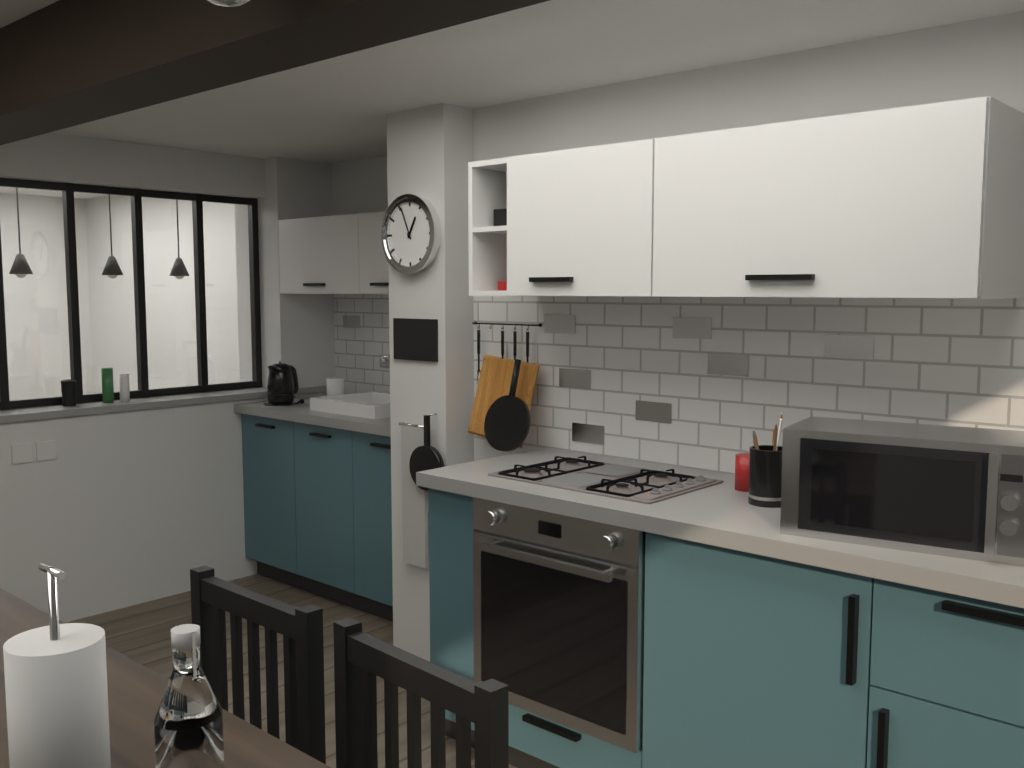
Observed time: 12h56
